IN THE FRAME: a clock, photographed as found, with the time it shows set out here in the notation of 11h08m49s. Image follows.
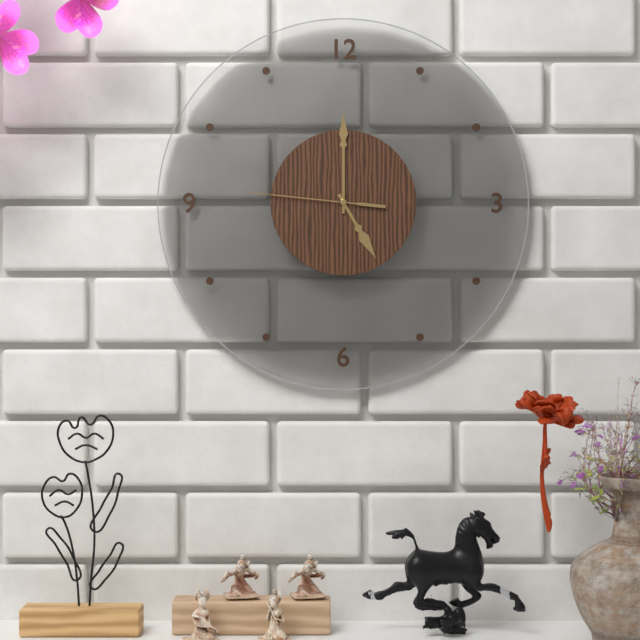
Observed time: 5h00m46s
